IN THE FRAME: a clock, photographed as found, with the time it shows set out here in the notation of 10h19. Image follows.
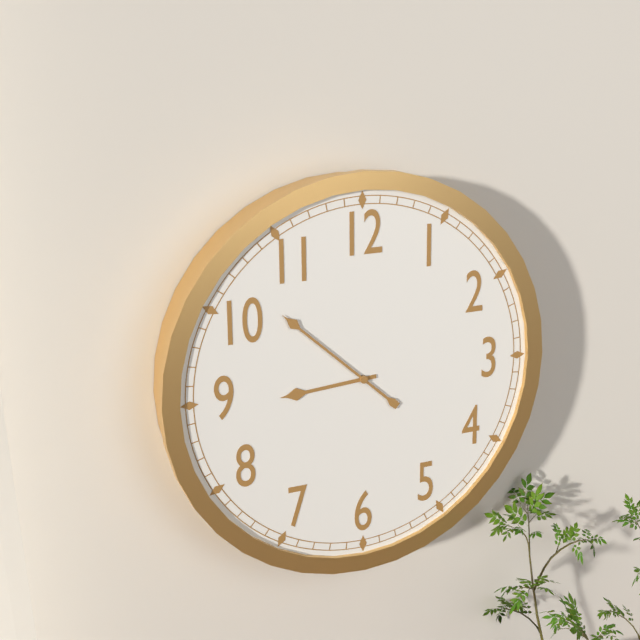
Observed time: 8h52
